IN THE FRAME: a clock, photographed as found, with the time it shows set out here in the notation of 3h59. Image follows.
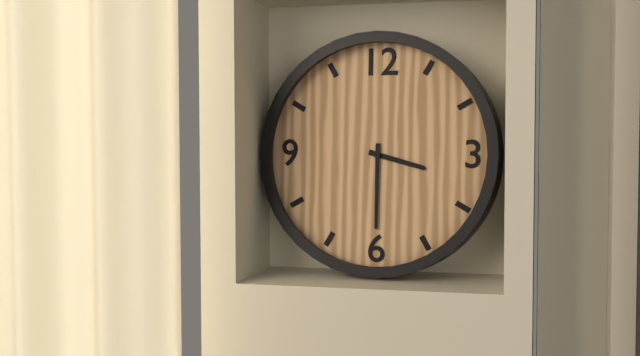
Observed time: 3h30
